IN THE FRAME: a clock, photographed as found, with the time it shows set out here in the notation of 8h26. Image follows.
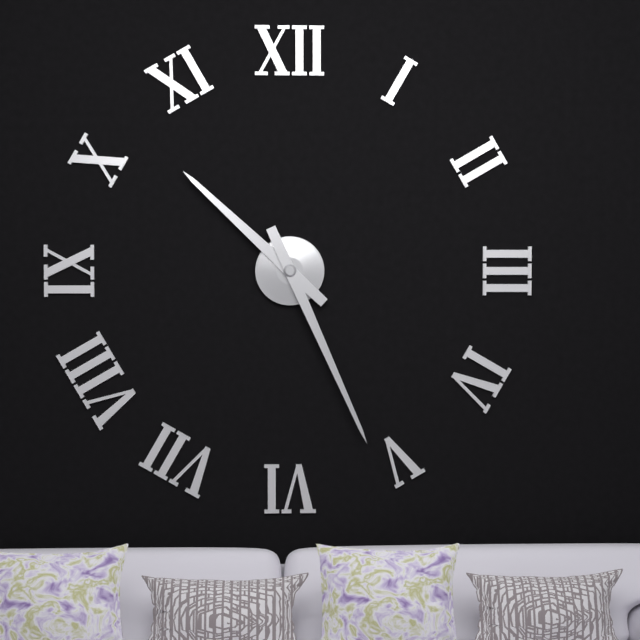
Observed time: 10h26
